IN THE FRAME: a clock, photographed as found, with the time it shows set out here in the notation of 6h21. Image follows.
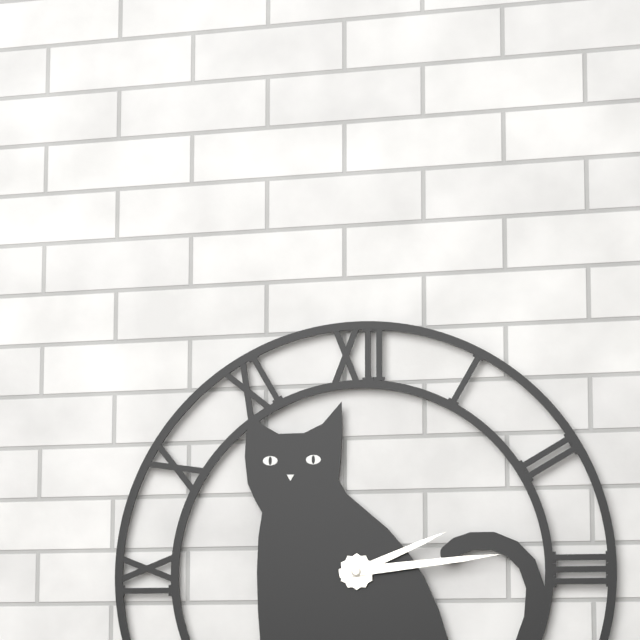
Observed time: 2h14
